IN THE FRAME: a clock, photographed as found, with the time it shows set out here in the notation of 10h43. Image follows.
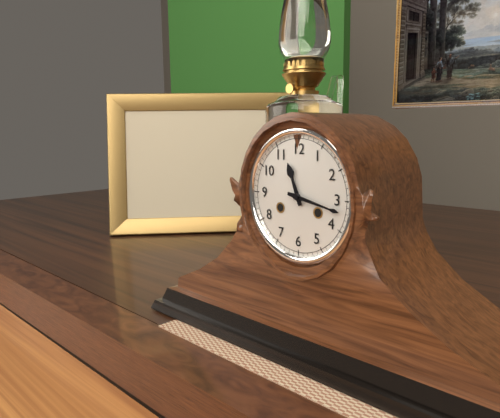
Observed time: 11h17
